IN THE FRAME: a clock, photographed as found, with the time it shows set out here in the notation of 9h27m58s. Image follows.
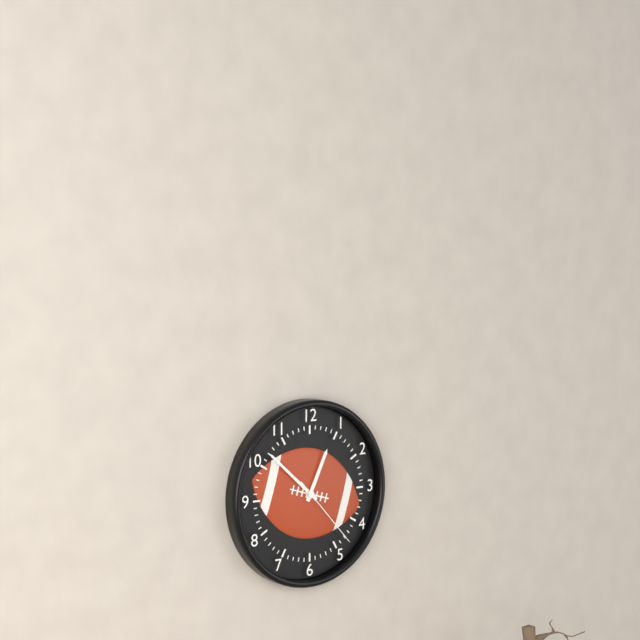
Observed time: 12h52m23s
